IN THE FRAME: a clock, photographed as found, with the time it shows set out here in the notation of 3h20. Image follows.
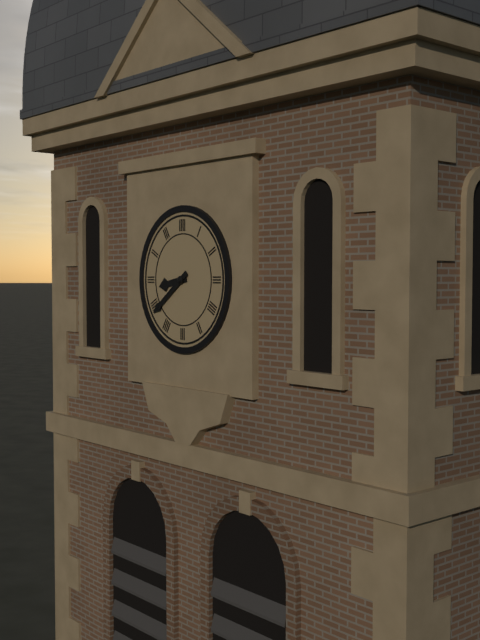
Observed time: 8h39
